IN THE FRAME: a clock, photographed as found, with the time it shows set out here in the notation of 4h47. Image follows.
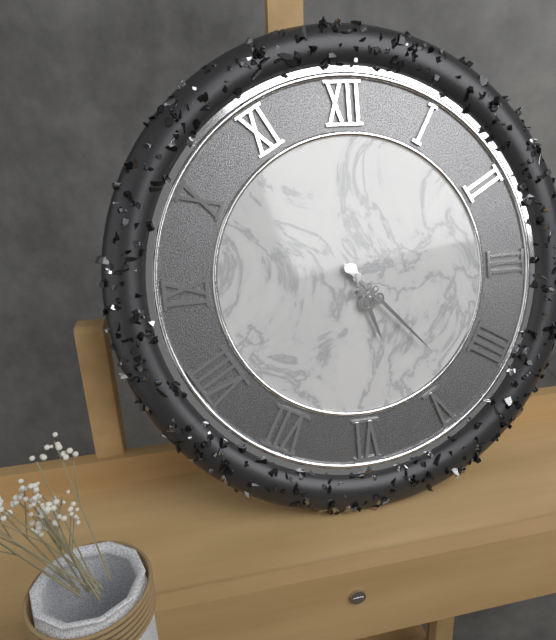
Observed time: 5h23
